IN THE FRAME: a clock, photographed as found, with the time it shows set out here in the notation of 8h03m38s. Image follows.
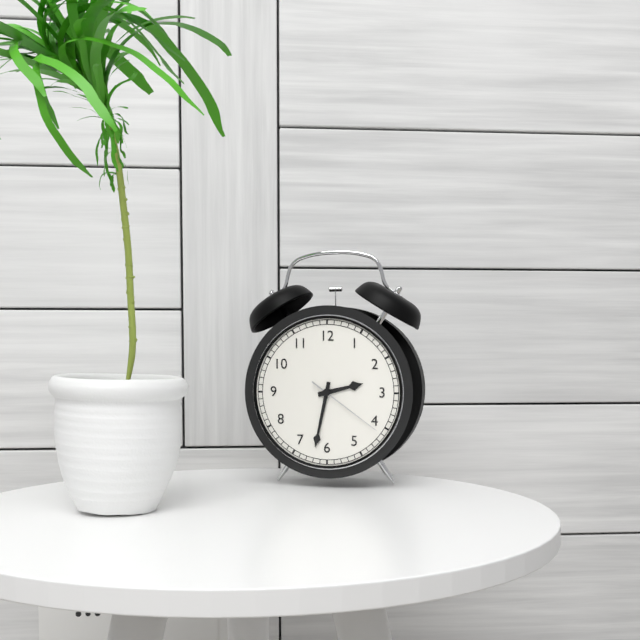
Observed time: 2h32m21s
